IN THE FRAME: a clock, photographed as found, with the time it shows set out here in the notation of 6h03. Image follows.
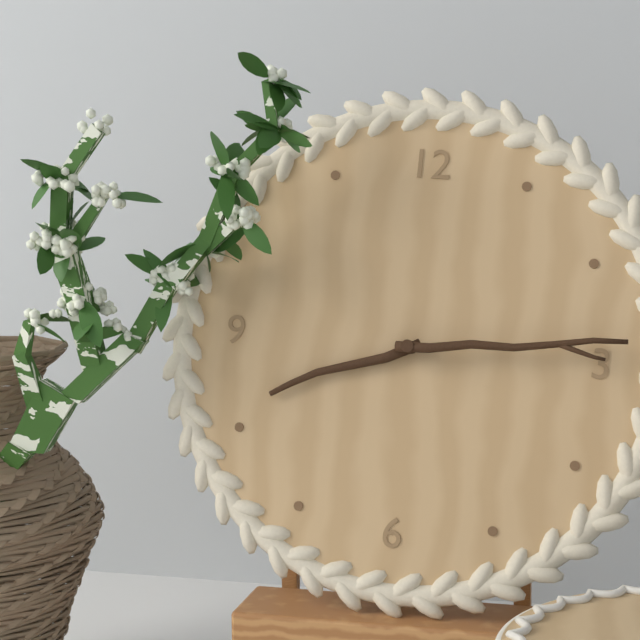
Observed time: 8h14
